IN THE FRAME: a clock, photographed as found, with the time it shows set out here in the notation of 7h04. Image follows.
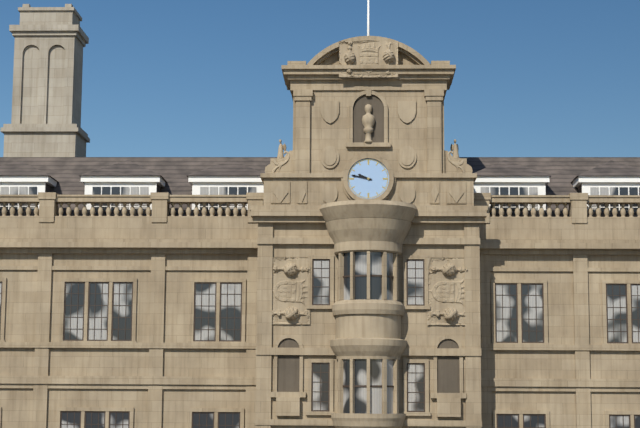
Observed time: 9h47
